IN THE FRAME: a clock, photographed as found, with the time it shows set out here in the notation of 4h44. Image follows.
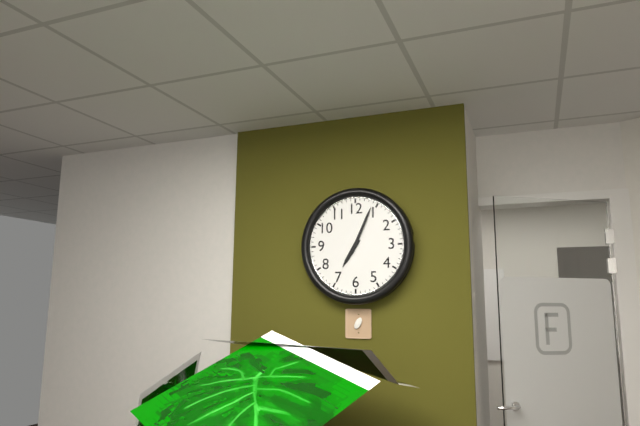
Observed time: 7h04
